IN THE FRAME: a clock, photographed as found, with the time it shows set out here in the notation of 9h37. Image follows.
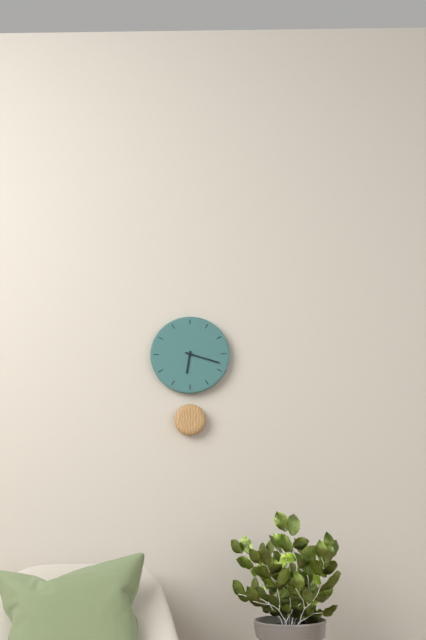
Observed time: 6h18
